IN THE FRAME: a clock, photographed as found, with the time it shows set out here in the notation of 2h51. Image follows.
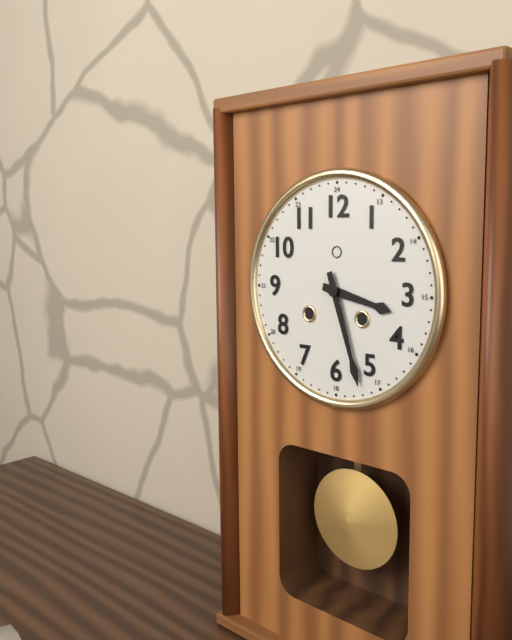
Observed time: 3h27
